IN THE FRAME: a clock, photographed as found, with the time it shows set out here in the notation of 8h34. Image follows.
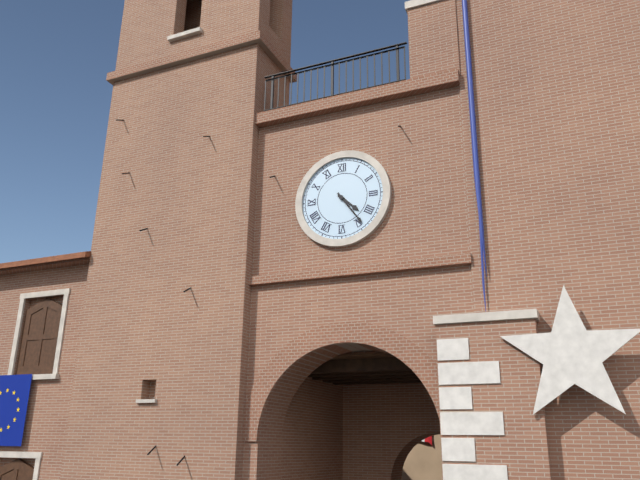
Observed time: 4h24
